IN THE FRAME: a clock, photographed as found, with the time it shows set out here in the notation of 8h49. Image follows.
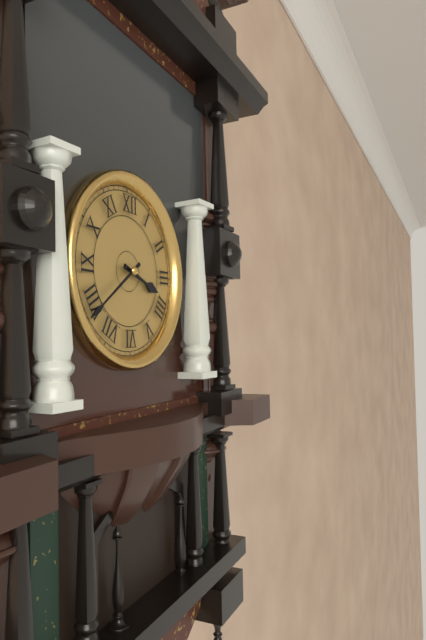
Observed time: 3h39
